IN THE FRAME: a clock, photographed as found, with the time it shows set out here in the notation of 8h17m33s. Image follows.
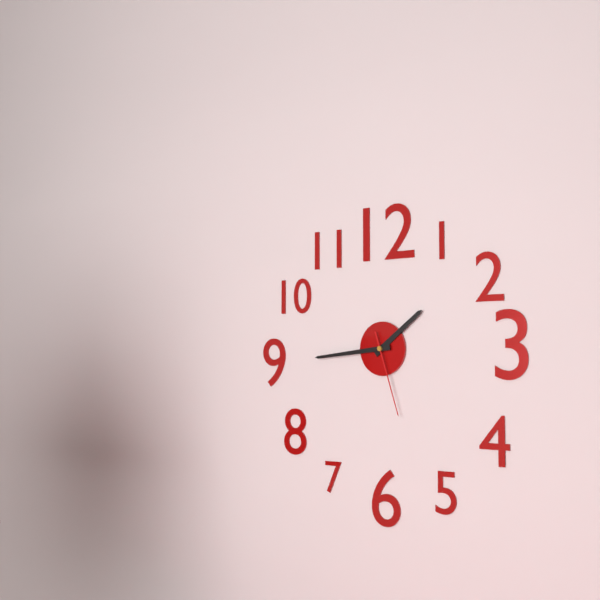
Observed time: 1h44m27s
